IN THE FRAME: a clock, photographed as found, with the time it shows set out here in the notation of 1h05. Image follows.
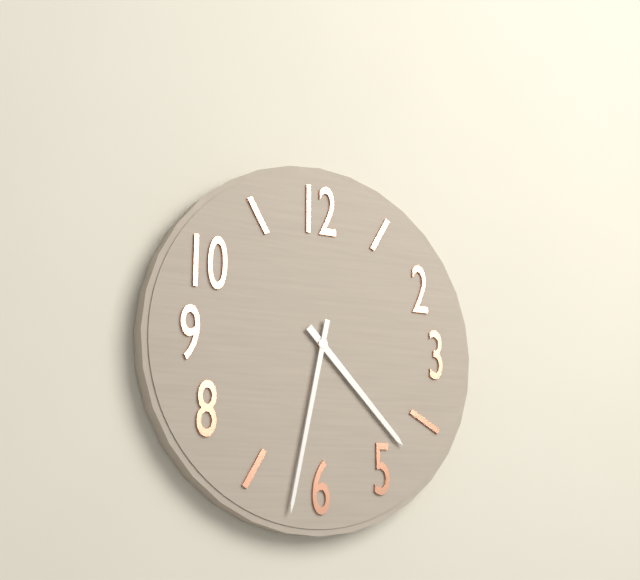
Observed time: 4h32
